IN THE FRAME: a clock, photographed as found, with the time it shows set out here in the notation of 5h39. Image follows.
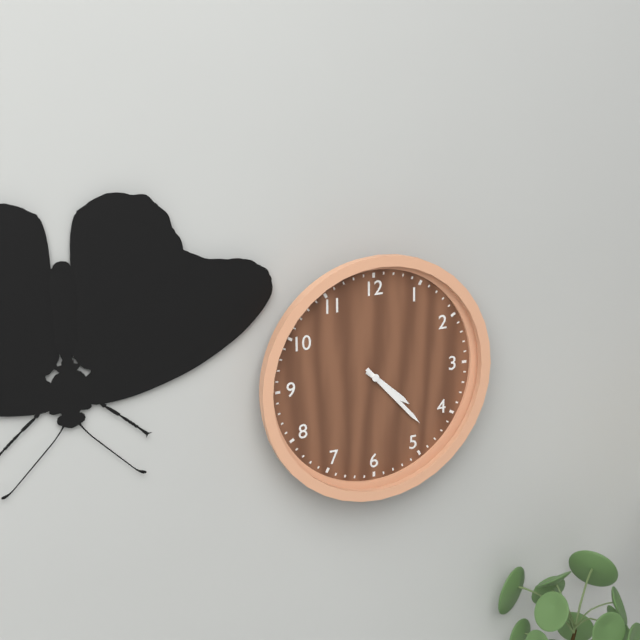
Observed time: 4h23
